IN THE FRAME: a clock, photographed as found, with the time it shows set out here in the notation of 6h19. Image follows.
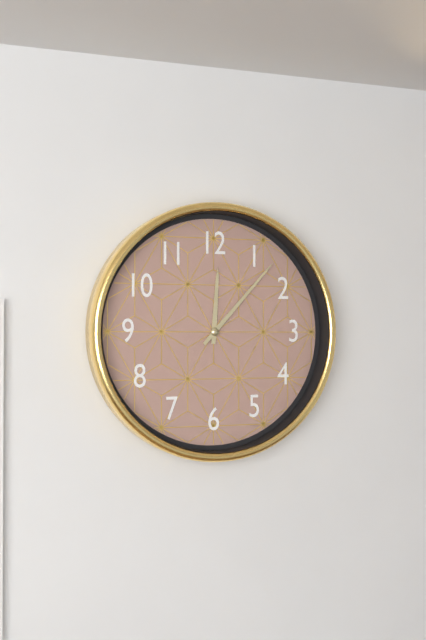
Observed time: 12h07
